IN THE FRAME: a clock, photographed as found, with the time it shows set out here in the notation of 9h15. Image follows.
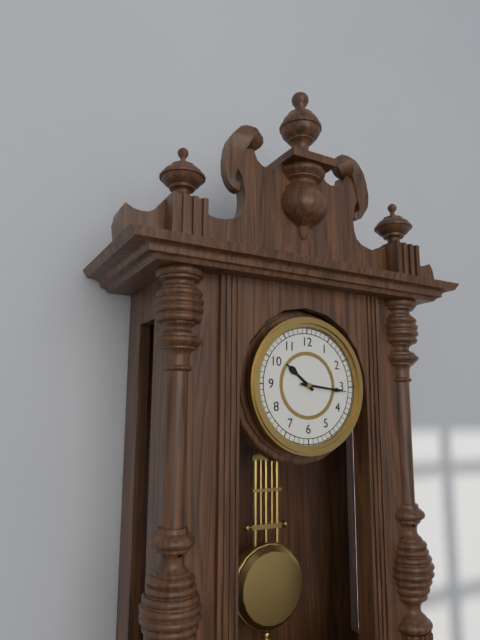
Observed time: 10h16
